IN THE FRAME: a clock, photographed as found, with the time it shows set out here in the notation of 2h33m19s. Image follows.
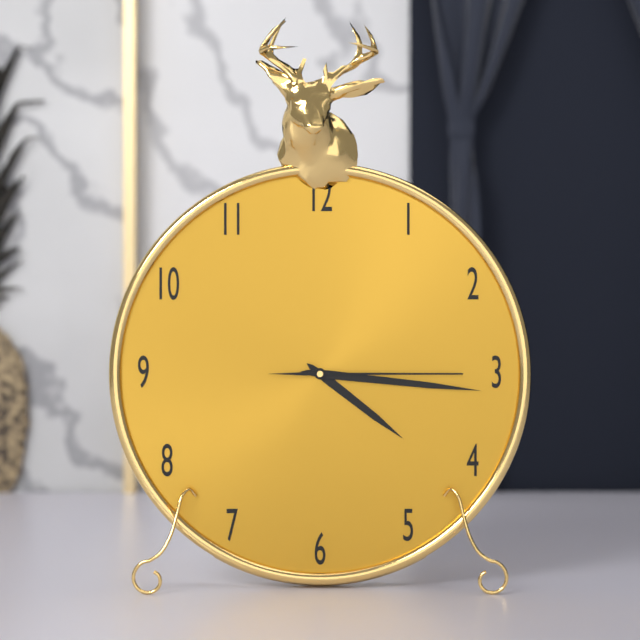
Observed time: 4h16m15s
